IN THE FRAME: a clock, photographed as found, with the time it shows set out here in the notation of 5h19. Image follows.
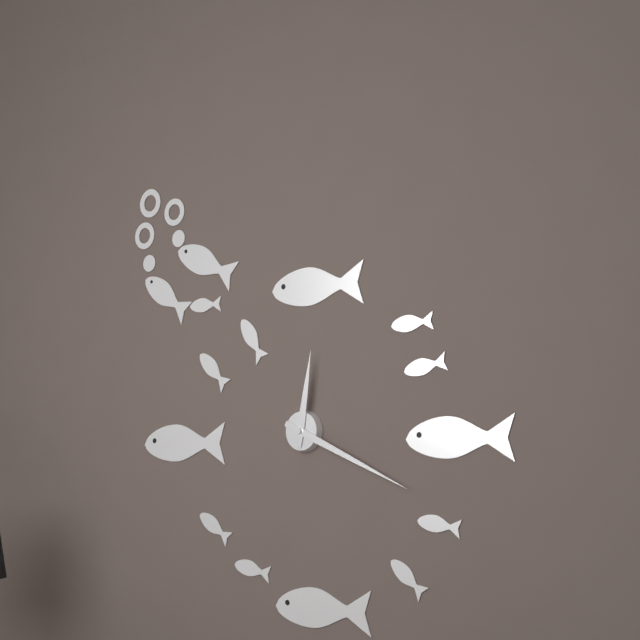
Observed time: 12h19
